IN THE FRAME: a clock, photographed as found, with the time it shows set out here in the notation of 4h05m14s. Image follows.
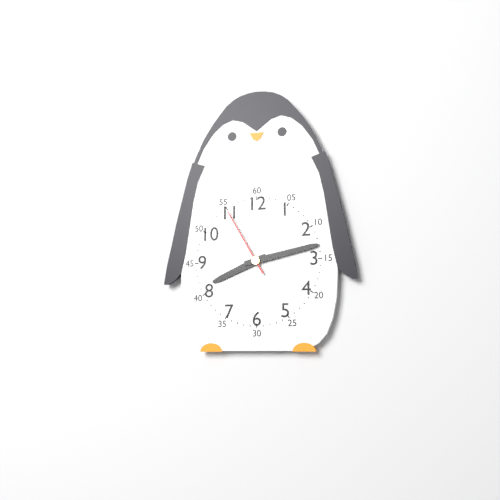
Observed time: 8h13m55s
